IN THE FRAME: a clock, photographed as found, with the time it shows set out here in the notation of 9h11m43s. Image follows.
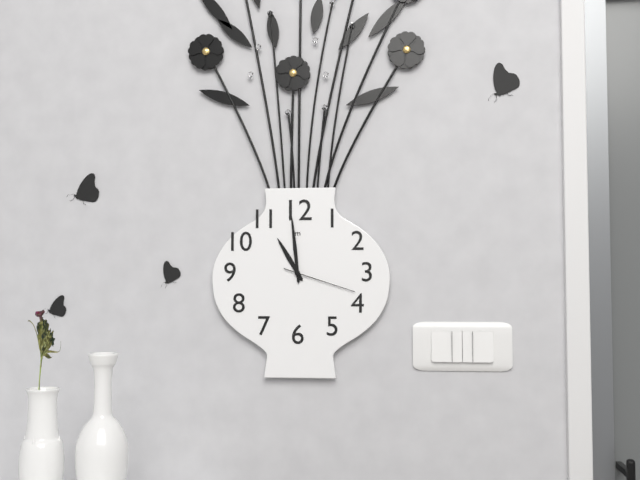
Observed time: 10h59m18s
